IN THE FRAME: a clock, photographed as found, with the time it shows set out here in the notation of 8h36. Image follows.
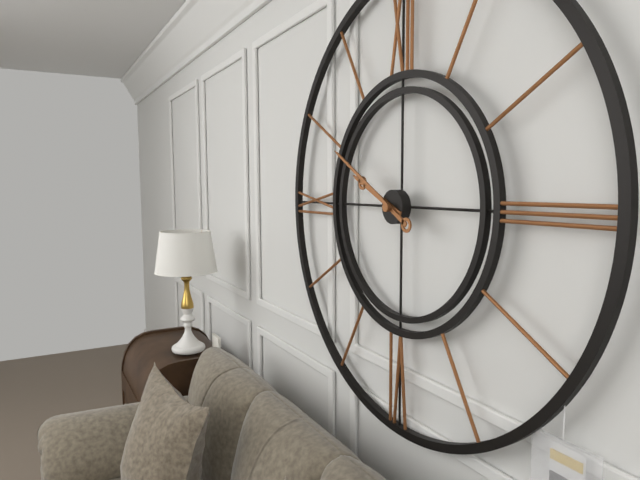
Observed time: 9h50
